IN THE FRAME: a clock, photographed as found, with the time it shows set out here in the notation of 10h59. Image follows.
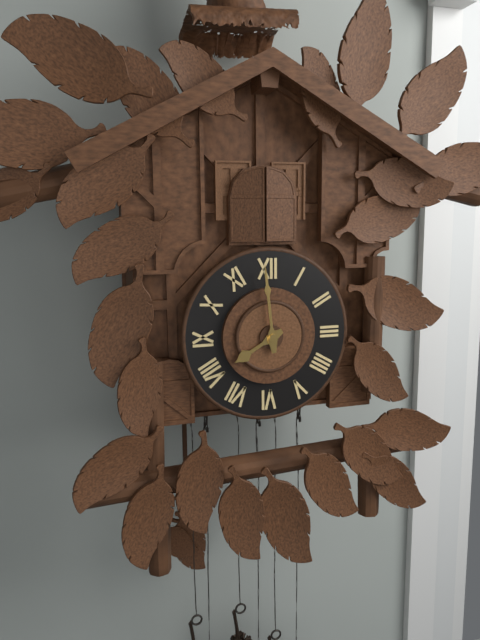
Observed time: 7h59
